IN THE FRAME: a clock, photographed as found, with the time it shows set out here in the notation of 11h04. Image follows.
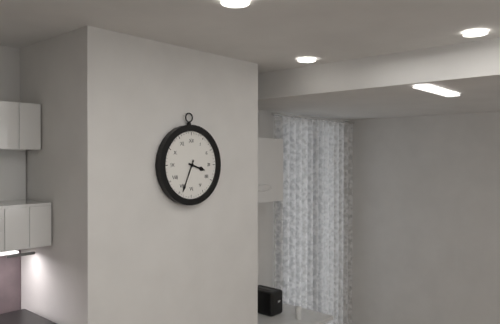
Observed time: 3h34
